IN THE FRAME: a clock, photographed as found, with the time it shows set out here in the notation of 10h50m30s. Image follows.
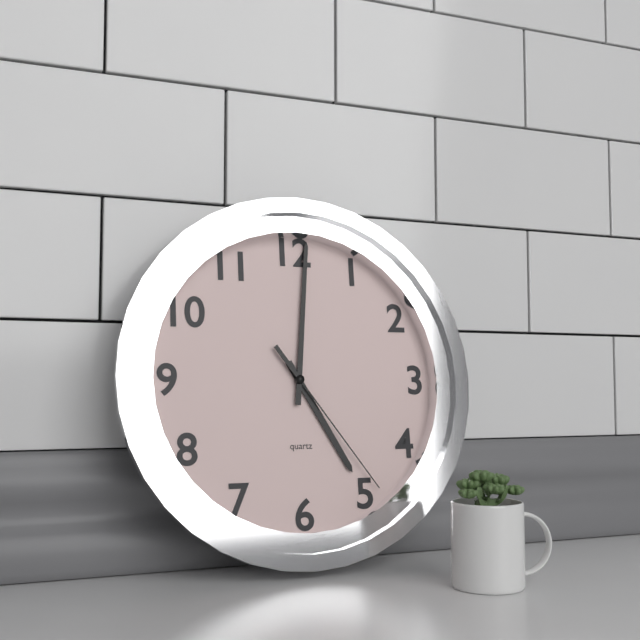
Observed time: 5h01m24s
